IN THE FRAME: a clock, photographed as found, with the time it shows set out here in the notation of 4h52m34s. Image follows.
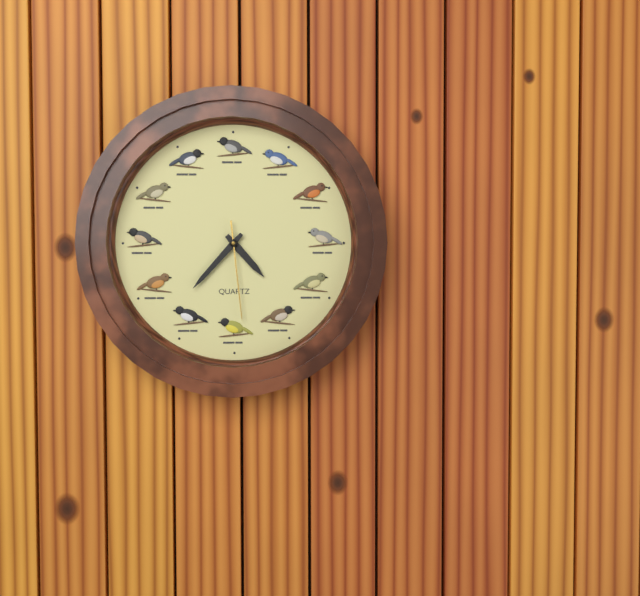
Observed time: 4h37m29s
